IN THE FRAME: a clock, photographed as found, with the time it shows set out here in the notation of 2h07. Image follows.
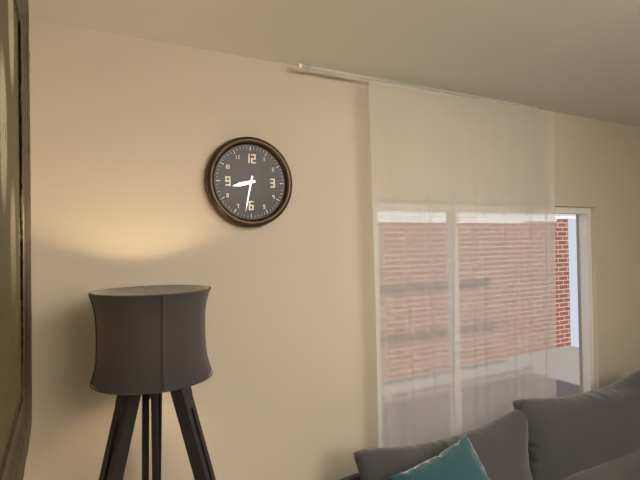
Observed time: 8h32
